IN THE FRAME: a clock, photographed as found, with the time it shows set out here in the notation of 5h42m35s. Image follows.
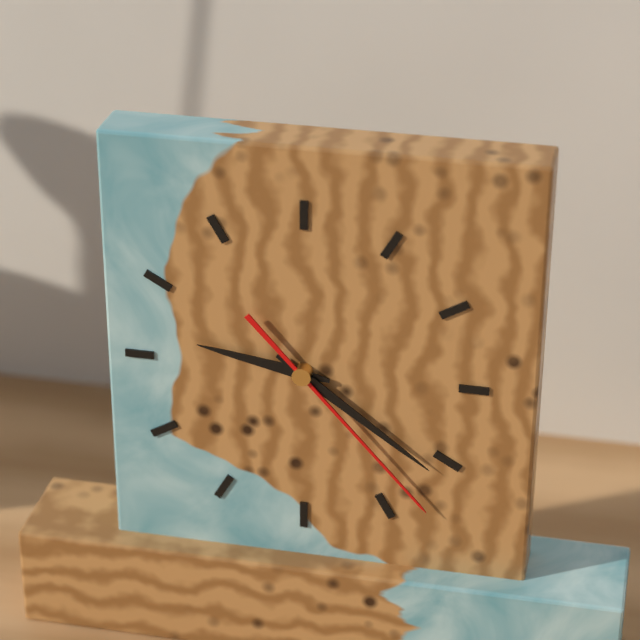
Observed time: 9h21m23s
